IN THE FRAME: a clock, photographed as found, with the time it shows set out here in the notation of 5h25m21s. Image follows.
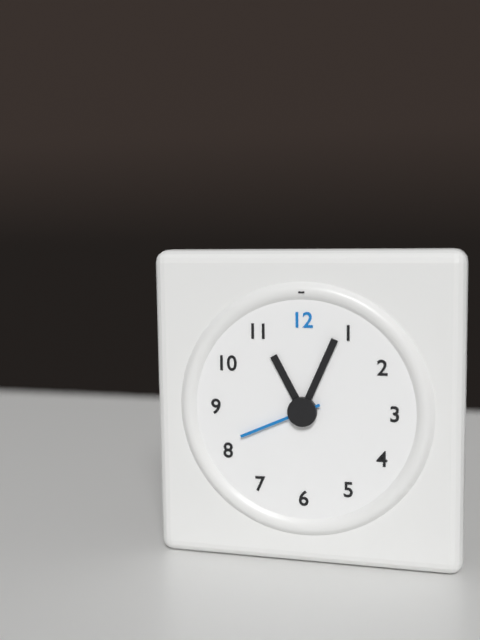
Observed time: 11h04m41s
